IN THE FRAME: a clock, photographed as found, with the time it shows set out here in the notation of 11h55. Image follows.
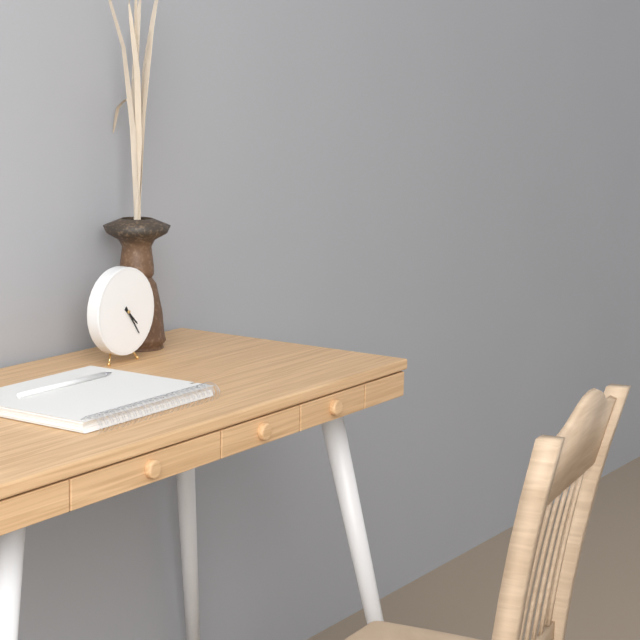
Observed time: 4h24
